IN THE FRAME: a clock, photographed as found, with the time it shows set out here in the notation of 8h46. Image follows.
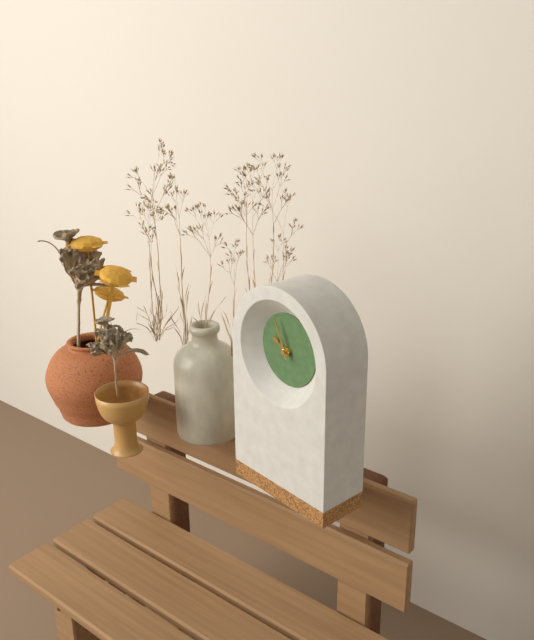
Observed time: 9h56
